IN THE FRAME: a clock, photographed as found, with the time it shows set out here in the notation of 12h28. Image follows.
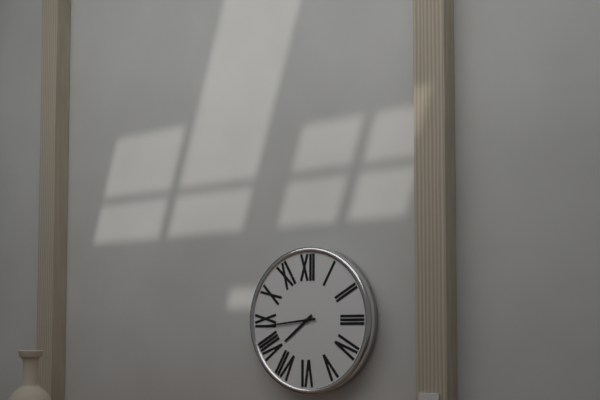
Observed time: 7h44
